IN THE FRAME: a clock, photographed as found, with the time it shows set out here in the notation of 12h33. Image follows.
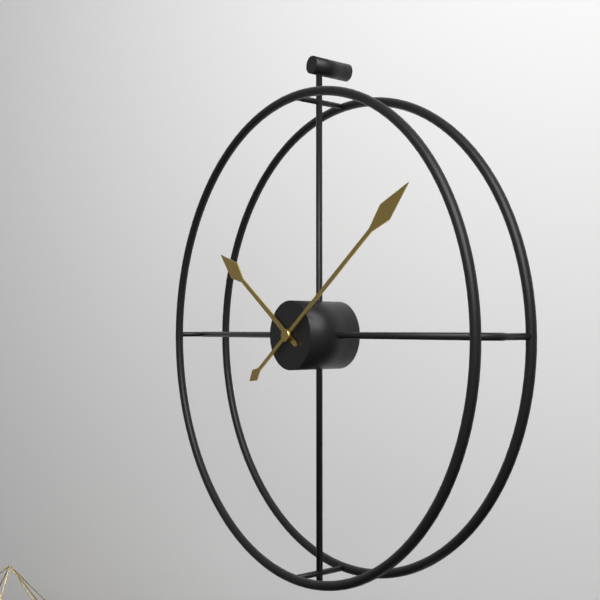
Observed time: 10h09
